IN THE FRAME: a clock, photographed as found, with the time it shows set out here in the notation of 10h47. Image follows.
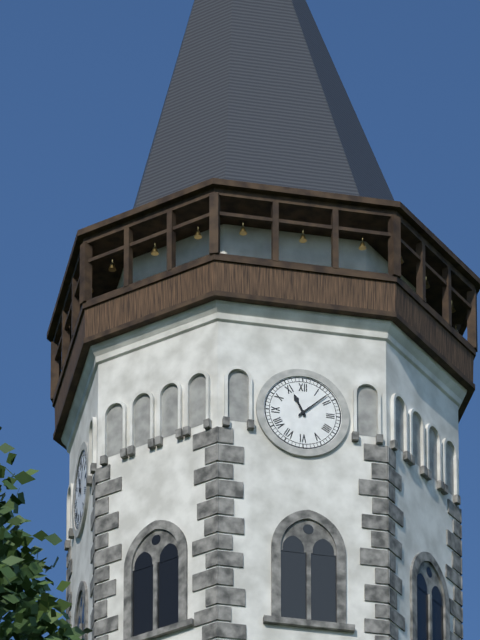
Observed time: 11h08
